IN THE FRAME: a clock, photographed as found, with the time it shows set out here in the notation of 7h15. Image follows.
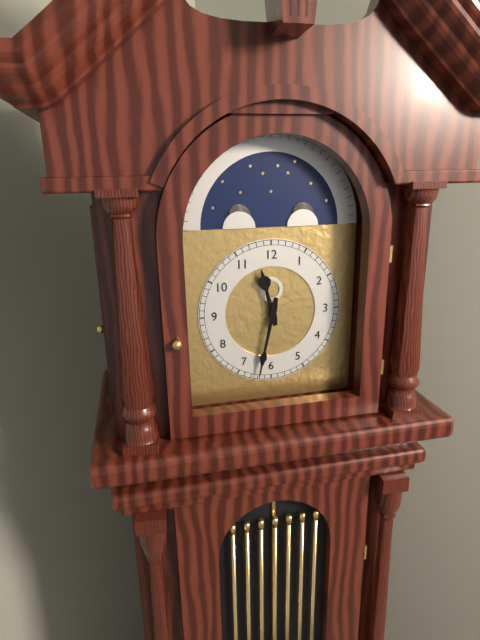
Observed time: 11h32
